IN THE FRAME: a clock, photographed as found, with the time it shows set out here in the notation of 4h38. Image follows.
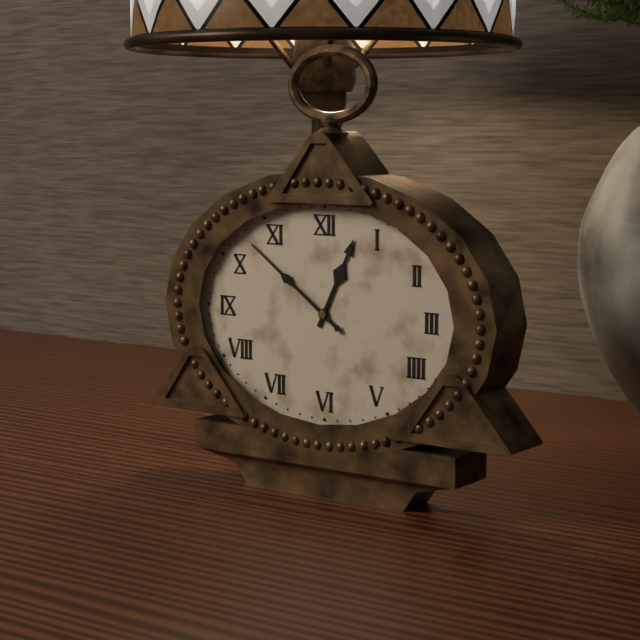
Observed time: 12h51
